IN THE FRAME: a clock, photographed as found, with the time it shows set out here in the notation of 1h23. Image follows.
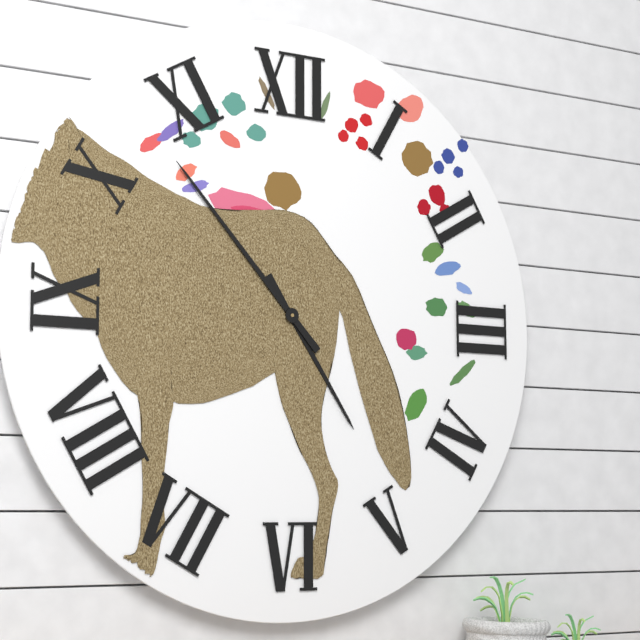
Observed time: 4h53
